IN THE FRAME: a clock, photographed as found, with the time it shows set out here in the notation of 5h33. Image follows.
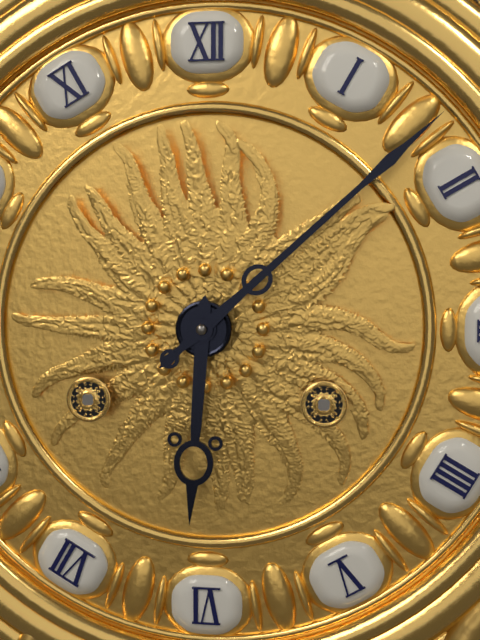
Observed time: 6h08
